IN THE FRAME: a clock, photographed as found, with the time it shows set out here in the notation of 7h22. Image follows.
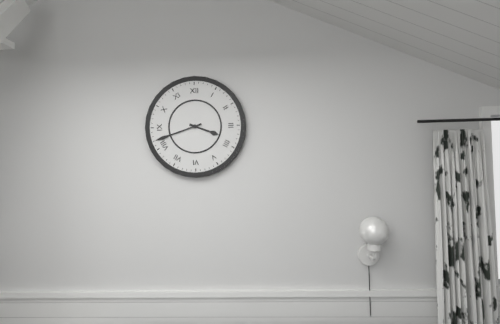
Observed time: 3h42
